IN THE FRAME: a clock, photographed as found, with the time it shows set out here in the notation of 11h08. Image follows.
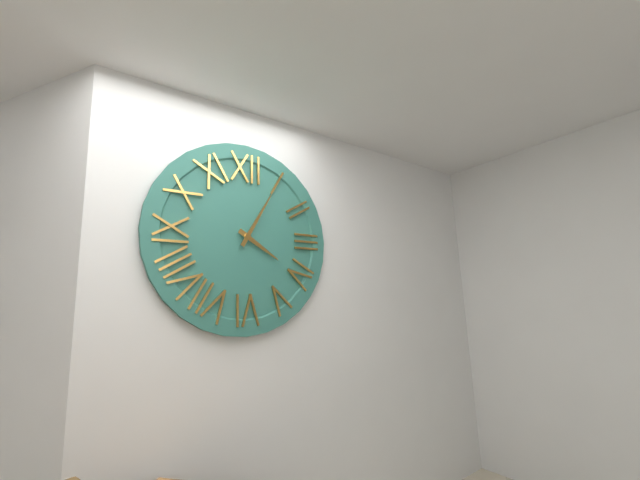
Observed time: 4h05
